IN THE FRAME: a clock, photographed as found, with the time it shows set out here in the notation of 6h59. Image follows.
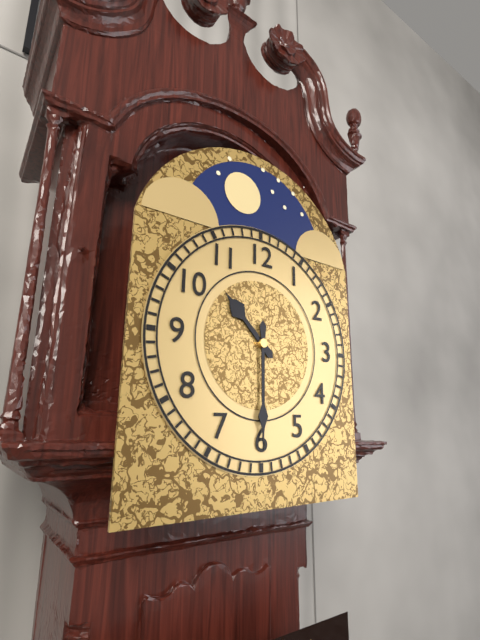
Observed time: 10h30
